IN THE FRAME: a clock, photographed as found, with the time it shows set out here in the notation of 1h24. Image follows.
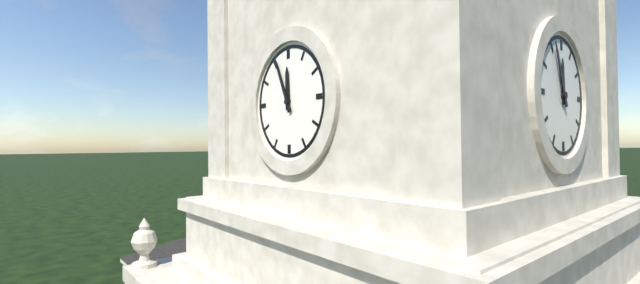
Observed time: 11h56
